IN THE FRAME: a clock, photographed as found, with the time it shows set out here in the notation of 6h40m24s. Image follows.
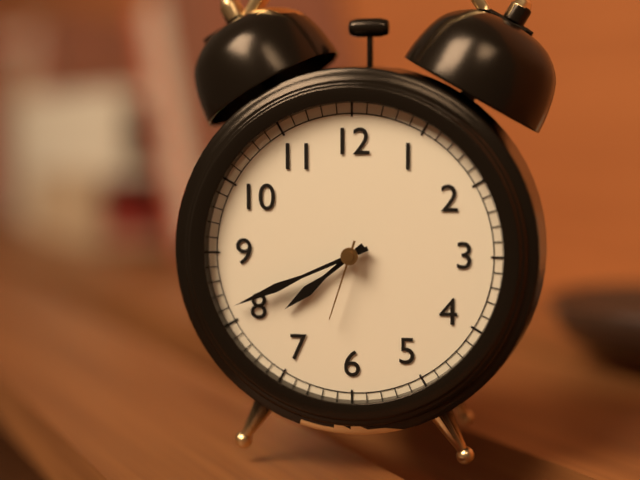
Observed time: 7h41m33s
